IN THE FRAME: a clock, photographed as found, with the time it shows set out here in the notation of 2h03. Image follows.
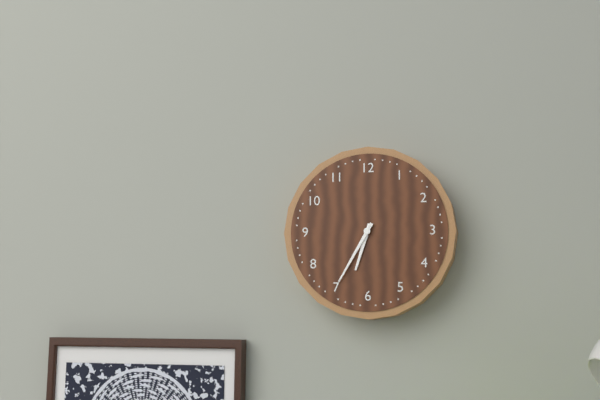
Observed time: 6h35
